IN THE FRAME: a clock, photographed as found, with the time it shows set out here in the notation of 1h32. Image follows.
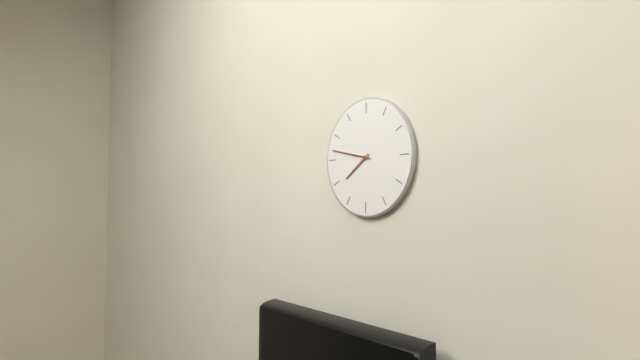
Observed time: 7h47
